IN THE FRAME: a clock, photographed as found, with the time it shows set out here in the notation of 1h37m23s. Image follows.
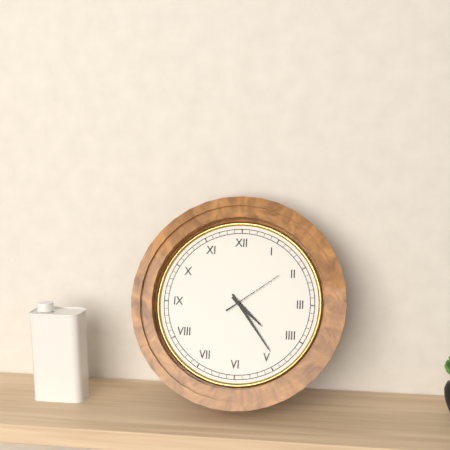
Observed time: 4h24m09s
